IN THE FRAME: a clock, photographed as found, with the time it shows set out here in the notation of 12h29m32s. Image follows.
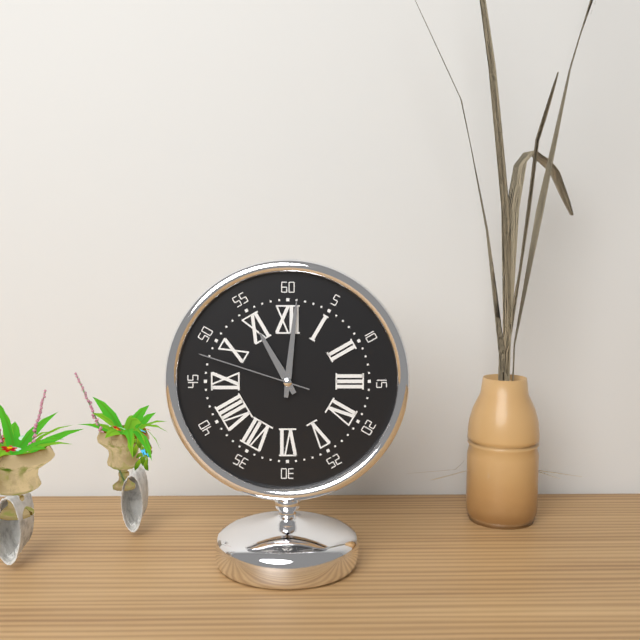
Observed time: 11h01m48s
